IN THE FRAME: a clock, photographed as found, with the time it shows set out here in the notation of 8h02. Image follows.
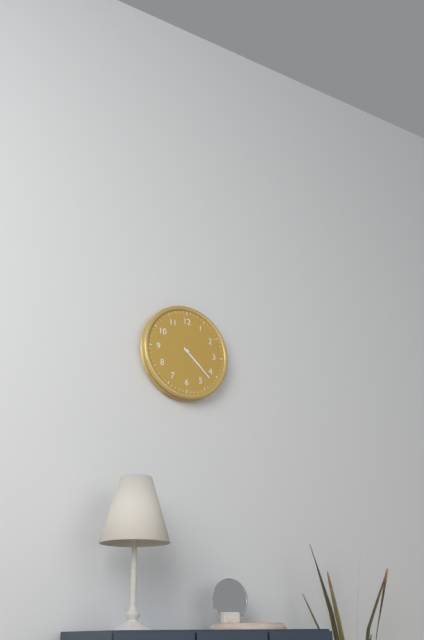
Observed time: 4h22
